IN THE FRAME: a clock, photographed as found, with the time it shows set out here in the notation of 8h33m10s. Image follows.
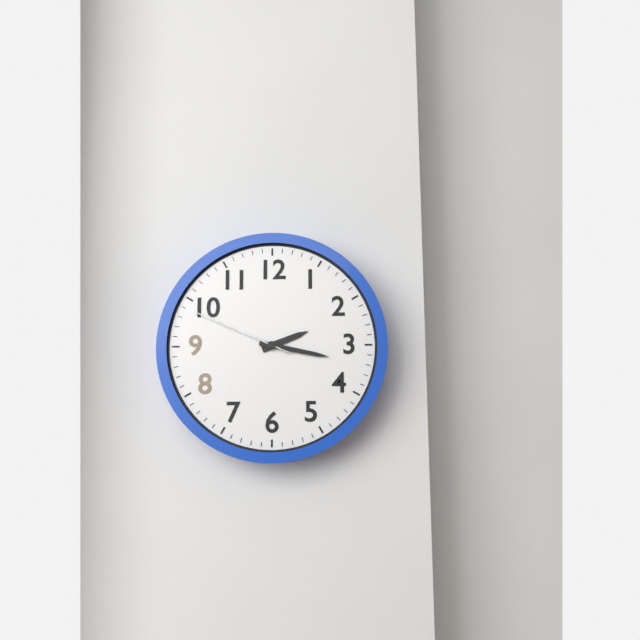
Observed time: 2h17m49s
